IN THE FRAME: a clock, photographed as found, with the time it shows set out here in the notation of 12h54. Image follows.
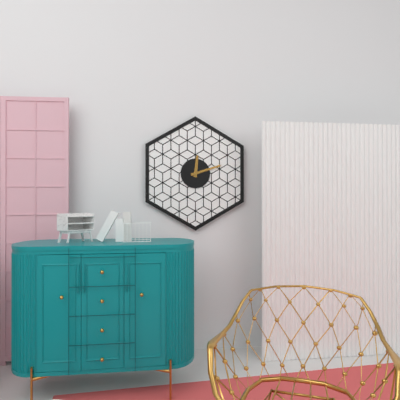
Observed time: 12h12
